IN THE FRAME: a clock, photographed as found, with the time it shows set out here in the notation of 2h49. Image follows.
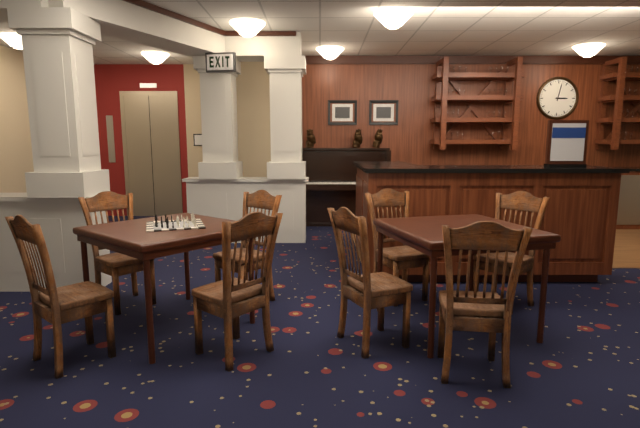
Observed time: 3h02
